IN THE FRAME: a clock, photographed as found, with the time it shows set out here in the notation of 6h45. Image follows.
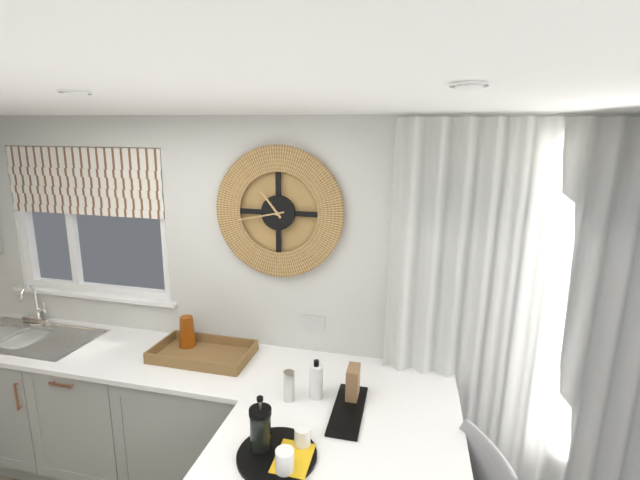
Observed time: 10h43
